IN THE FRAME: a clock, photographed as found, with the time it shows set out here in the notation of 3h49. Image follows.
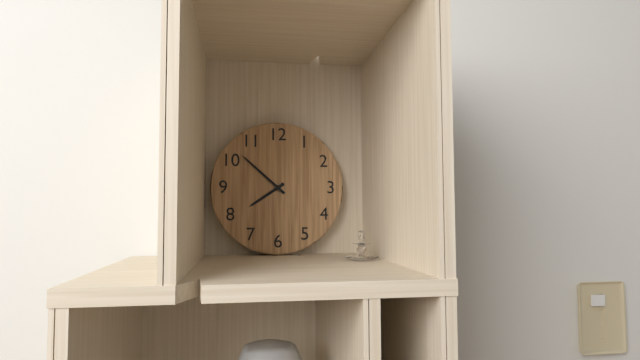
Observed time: 7h52
